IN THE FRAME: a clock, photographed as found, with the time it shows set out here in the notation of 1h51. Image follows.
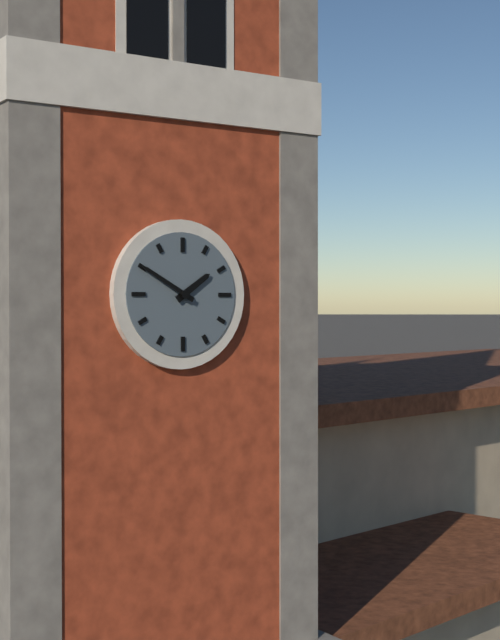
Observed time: 1h50
